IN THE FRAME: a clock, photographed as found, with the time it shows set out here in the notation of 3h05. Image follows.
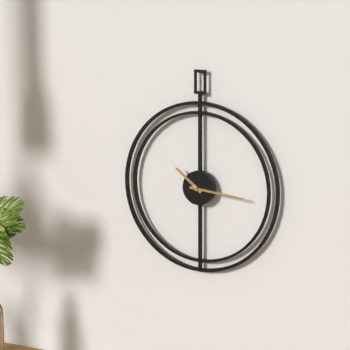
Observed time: 10h16
